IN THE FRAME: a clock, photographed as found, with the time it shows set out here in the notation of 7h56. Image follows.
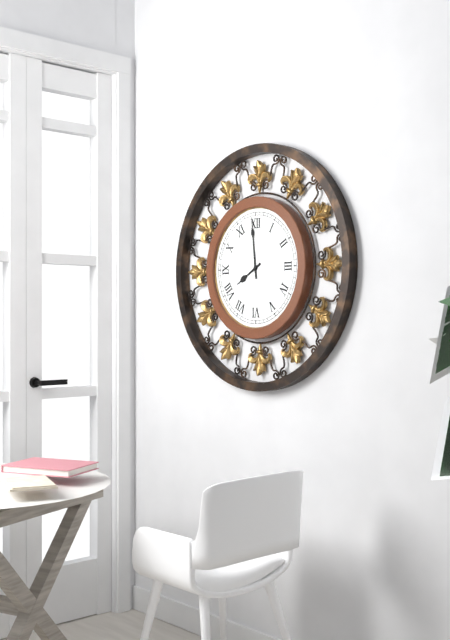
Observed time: 7h59
